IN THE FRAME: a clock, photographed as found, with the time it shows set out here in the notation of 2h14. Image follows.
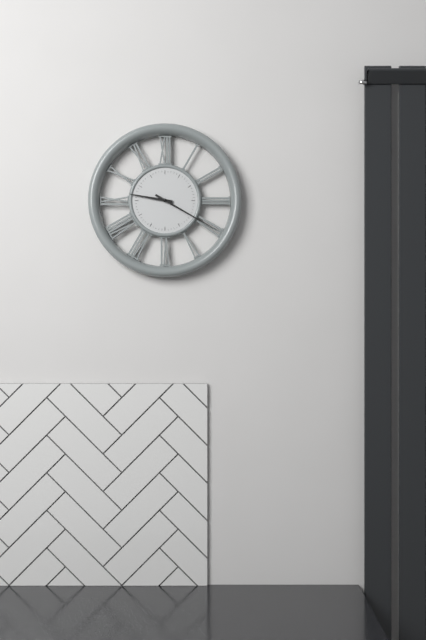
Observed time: 9h20
